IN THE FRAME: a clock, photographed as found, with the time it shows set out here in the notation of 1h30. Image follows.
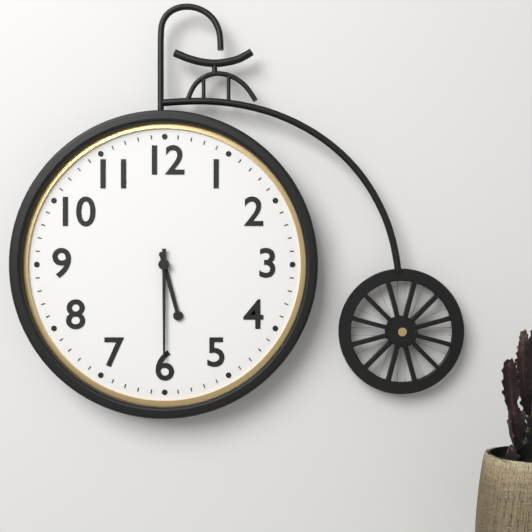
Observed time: 5h30
